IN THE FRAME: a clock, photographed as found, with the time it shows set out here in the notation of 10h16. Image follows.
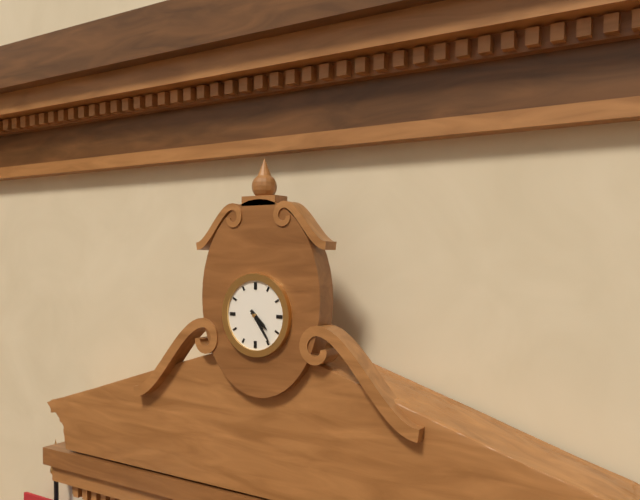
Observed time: 4h24
